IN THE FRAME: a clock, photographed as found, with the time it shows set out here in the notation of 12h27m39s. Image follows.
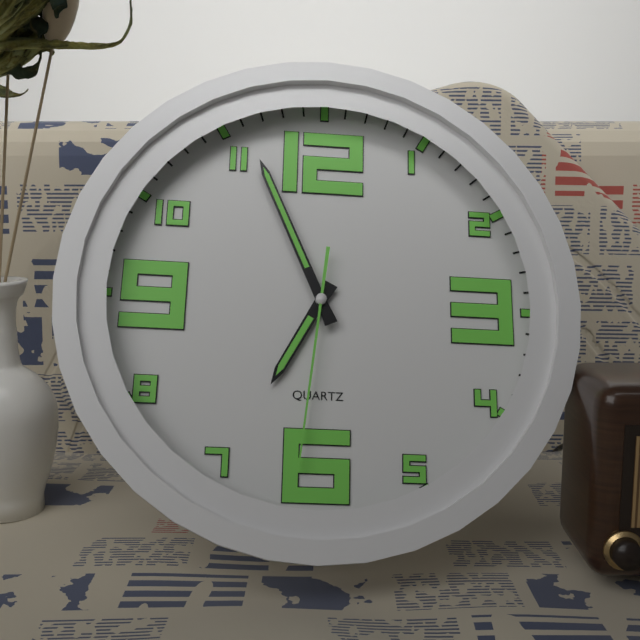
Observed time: 6h56m31s
